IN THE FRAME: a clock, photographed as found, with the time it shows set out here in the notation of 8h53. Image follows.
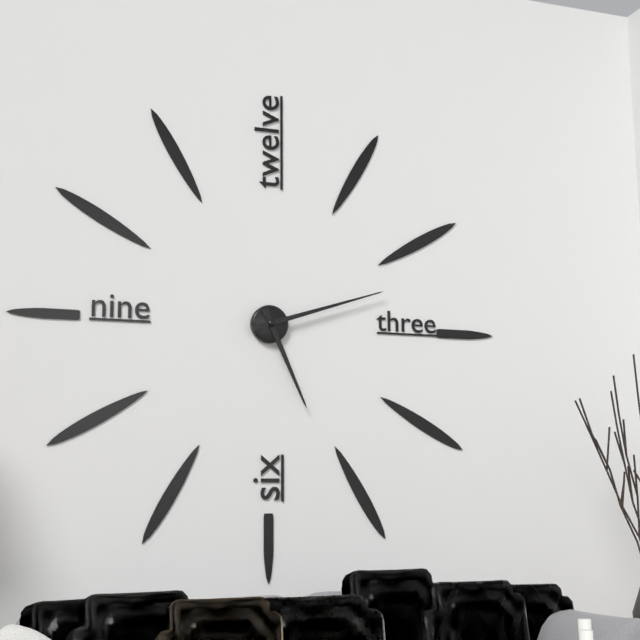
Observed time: 5h12
